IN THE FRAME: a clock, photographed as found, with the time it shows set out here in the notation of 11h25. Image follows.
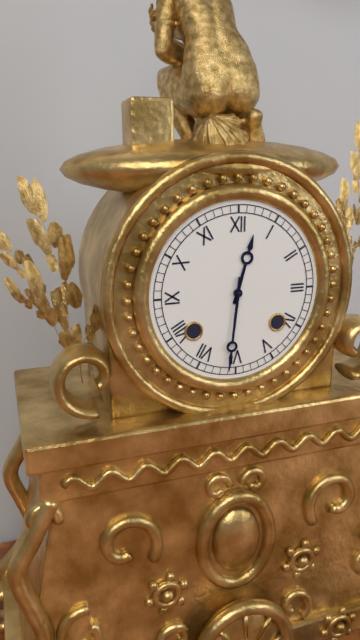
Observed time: 12h31
